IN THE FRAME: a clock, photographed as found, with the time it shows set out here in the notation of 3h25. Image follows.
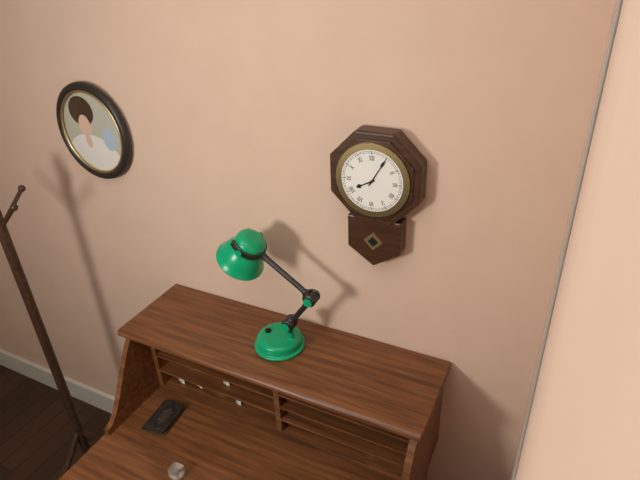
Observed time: 8h05
